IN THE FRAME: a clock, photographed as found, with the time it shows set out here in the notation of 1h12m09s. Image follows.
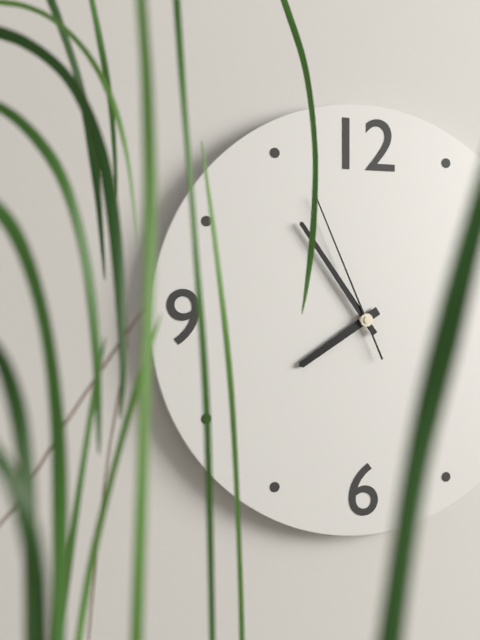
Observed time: 7h54m56s
